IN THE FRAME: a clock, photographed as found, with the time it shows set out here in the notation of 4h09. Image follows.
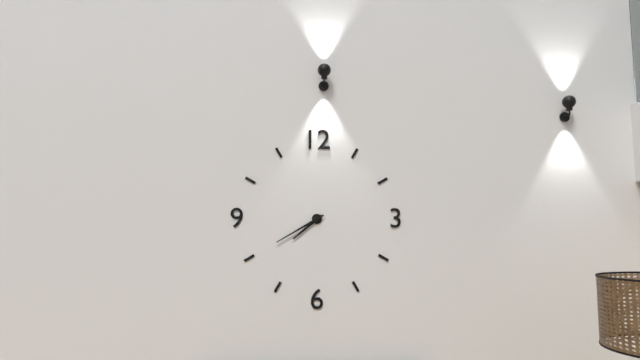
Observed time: 7h40
